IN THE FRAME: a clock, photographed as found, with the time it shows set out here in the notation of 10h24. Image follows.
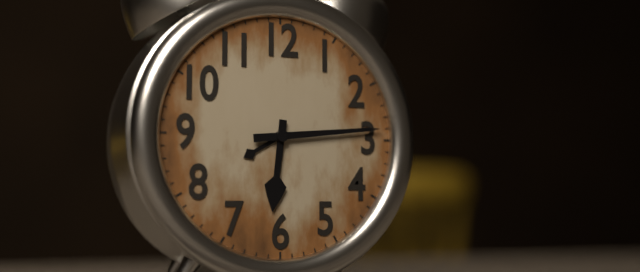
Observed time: 6h14
